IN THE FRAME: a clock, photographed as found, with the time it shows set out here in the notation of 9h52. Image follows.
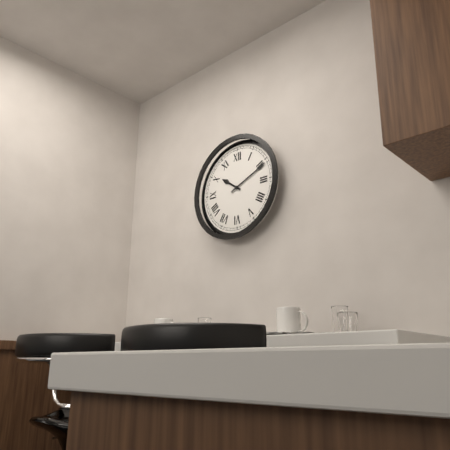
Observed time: 10h11
